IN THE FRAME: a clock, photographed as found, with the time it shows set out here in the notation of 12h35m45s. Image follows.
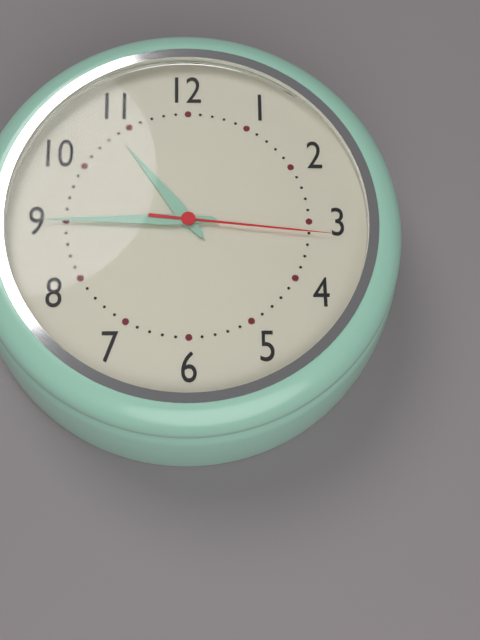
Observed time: 10h45m16s
